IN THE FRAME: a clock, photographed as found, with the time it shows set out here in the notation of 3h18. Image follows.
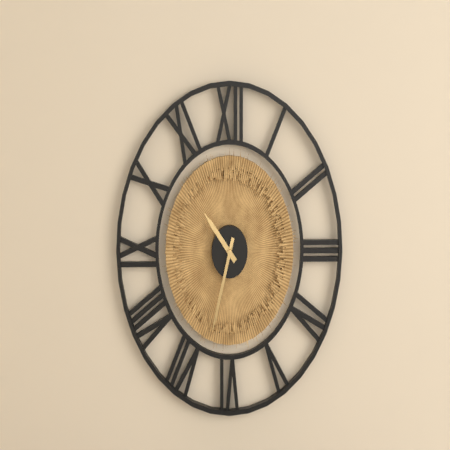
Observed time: 10h33
